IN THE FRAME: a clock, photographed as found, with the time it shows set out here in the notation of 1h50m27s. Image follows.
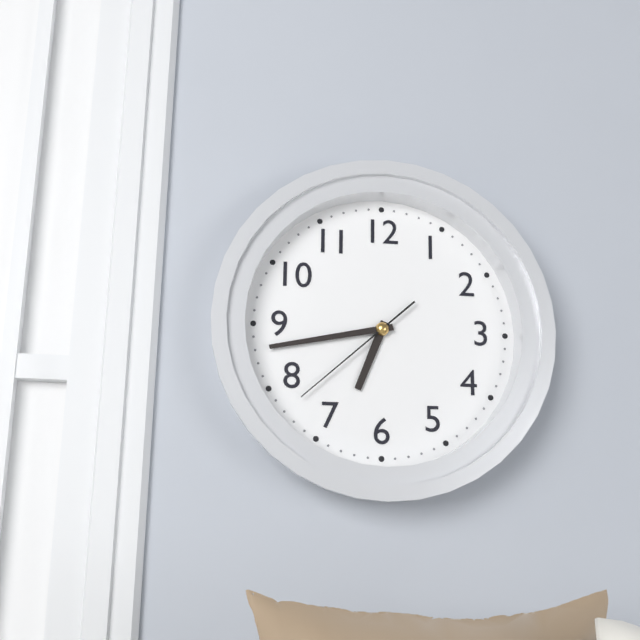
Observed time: 6h43m38s
